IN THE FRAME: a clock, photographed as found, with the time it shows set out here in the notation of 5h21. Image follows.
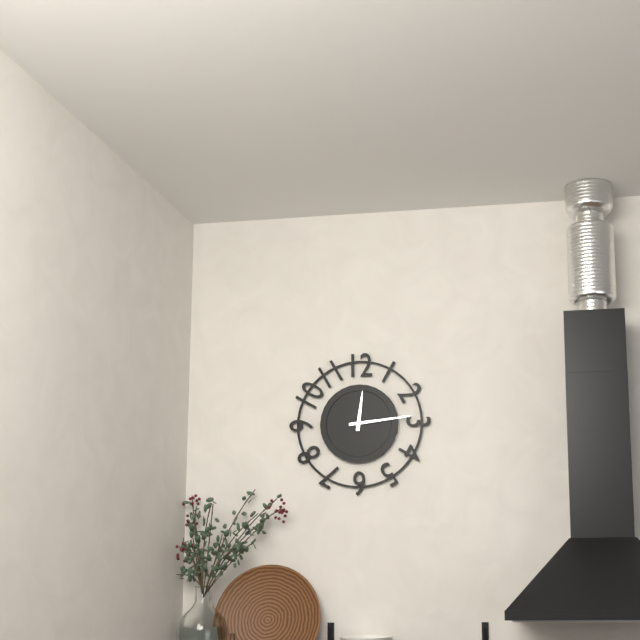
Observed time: 12h14
